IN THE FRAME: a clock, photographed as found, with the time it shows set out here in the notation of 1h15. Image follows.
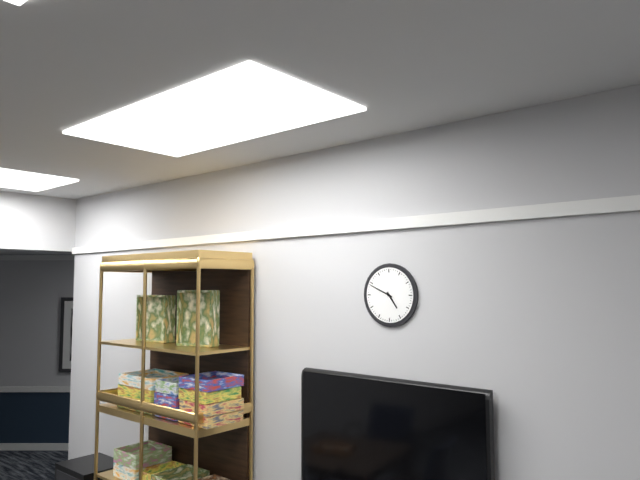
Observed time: 4h49
